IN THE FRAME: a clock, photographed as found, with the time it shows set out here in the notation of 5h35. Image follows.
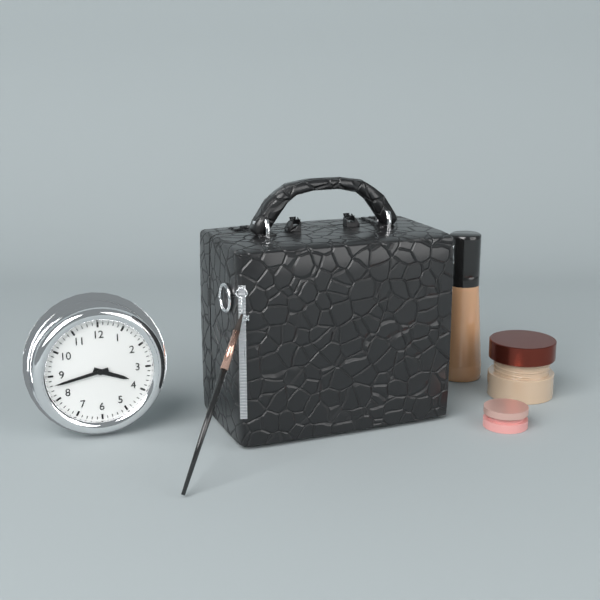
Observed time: 3h43
